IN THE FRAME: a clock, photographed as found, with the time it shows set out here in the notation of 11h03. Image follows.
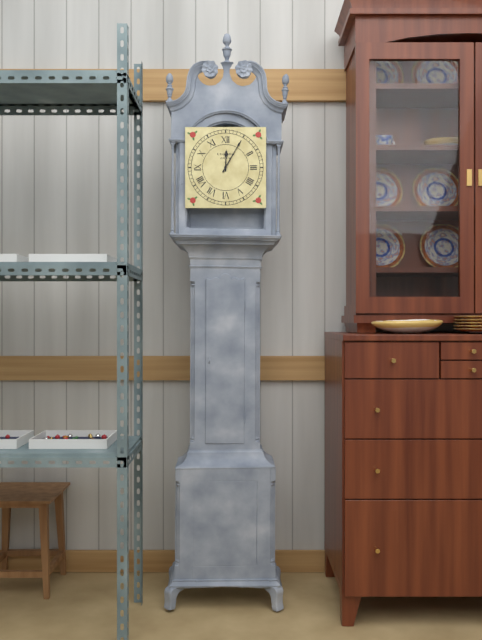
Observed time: 12h05
